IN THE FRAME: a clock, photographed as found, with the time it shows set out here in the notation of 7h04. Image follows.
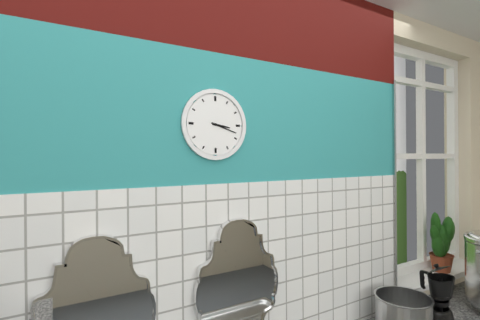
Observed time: 3h18
